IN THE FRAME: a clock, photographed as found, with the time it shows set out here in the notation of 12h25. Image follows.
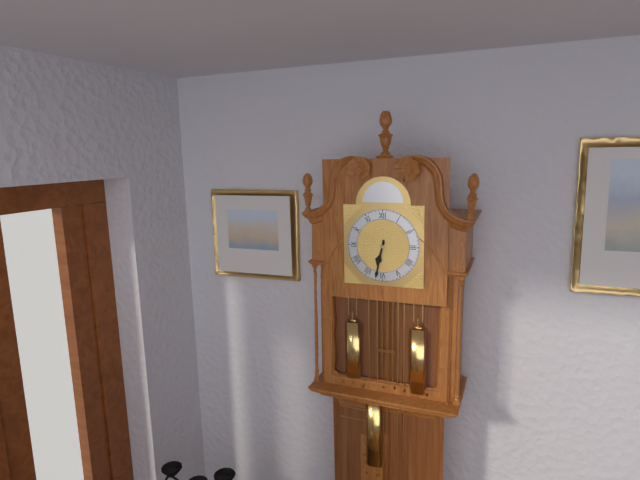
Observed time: 6h32
